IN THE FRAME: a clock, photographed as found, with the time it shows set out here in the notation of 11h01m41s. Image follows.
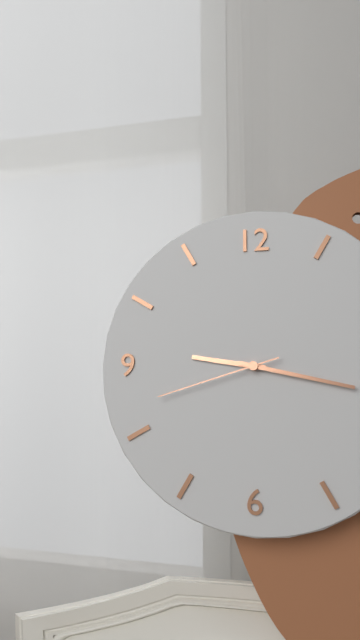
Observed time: 9h17m42s
